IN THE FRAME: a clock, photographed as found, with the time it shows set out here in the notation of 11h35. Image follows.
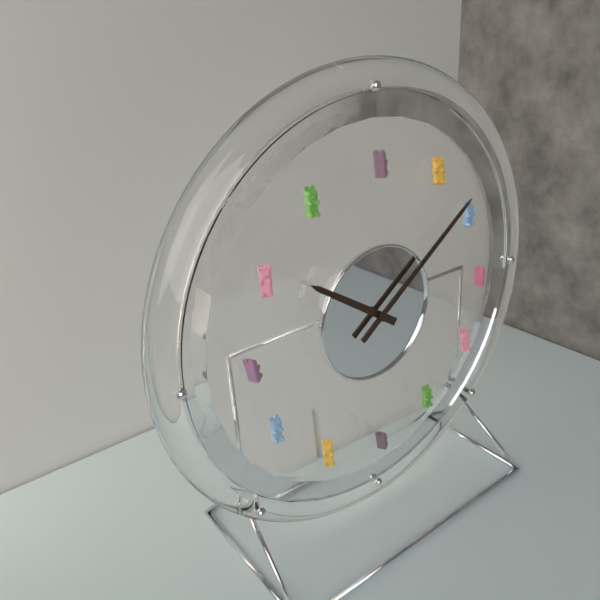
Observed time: 10h09
